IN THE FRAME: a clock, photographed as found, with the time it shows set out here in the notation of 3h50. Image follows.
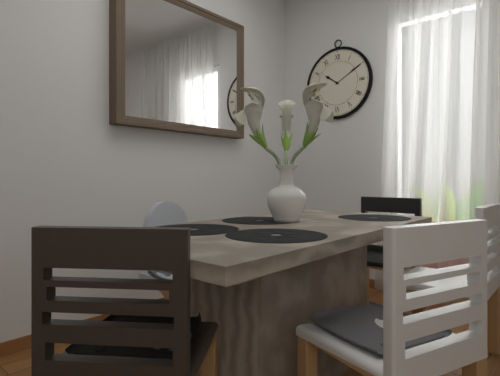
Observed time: 10h10
